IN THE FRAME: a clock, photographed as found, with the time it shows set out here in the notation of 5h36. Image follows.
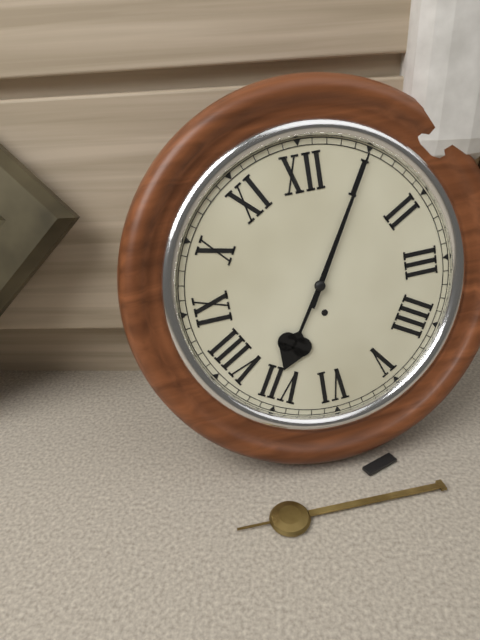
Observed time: 7h05
